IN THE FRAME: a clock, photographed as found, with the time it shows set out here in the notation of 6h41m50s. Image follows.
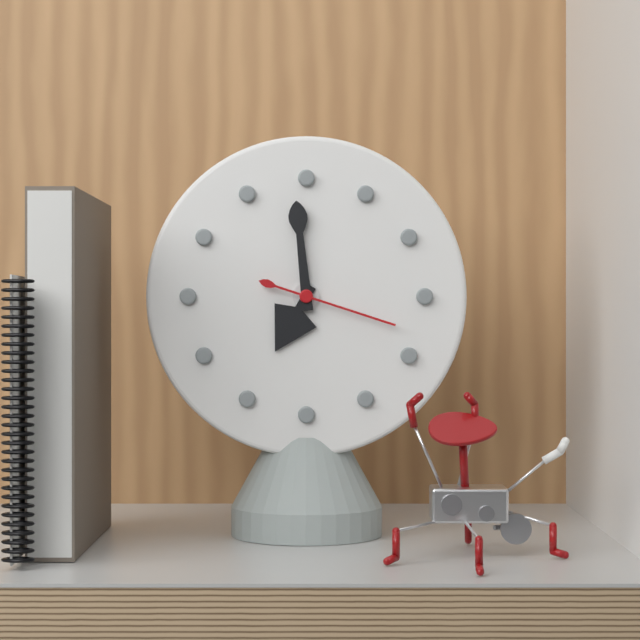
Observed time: 6h59m18s
